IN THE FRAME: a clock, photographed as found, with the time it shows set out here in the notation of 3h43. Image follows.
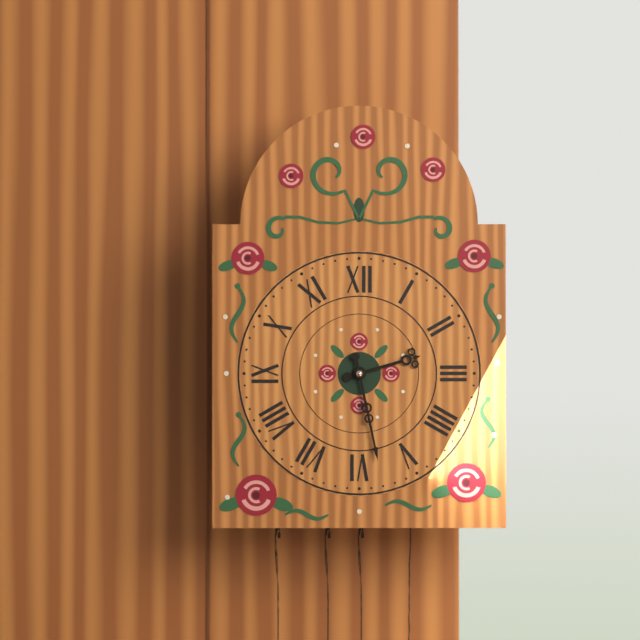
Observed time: 2h28
